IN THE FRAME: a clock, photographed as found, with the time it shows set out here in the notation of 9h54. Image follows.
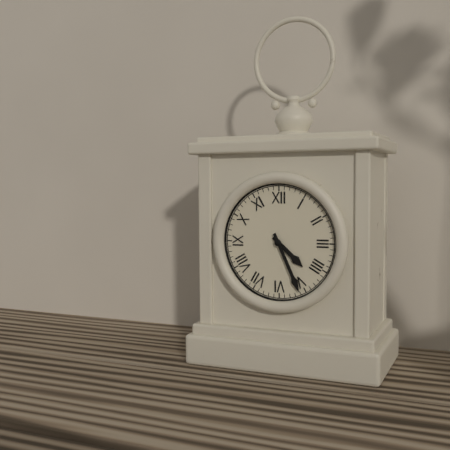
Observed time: 4h26
